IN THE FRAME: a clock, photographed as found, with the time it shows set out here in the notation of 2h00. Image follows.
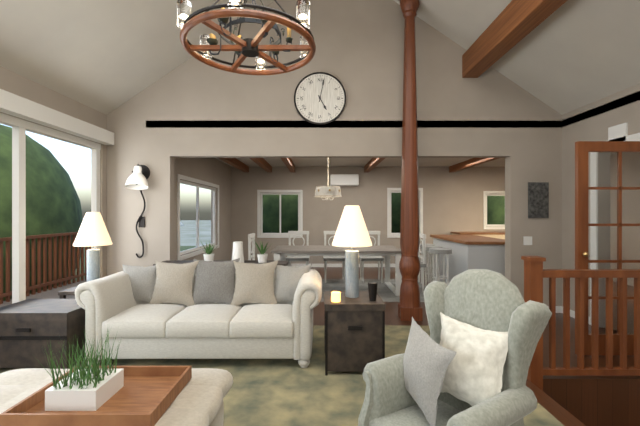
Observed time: 5h02
